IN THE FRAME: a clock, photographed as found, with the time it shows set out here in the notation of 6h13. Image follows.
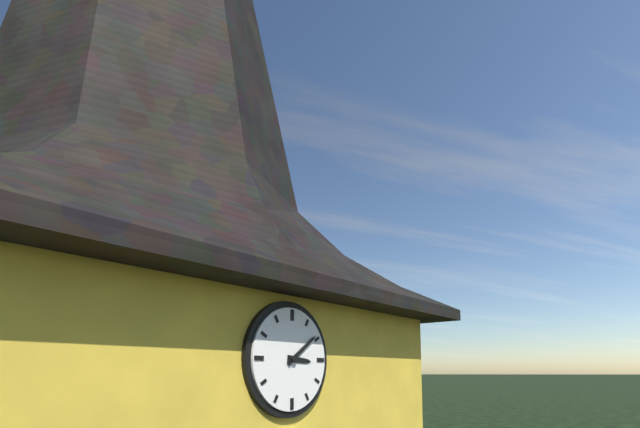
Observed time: 3h09
